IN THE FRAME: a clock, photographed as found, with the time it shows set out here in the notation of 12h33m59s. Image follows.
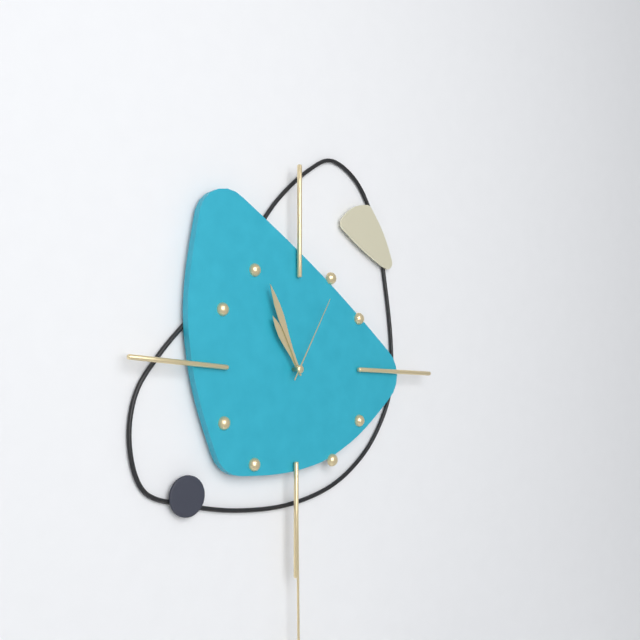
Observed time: 10h56m05s
